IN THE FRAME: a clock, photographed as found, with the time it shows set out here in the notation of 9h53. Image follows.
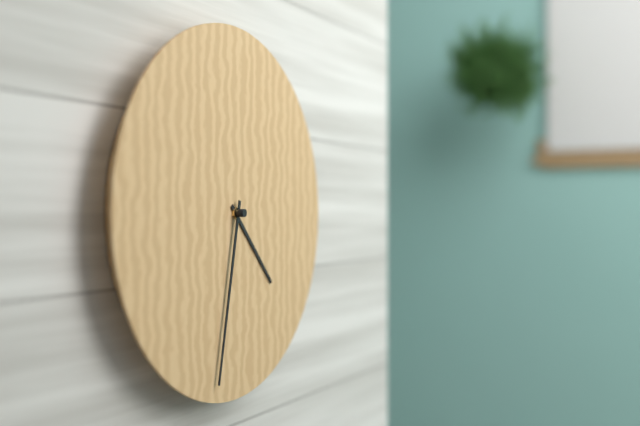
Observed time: 4h32
